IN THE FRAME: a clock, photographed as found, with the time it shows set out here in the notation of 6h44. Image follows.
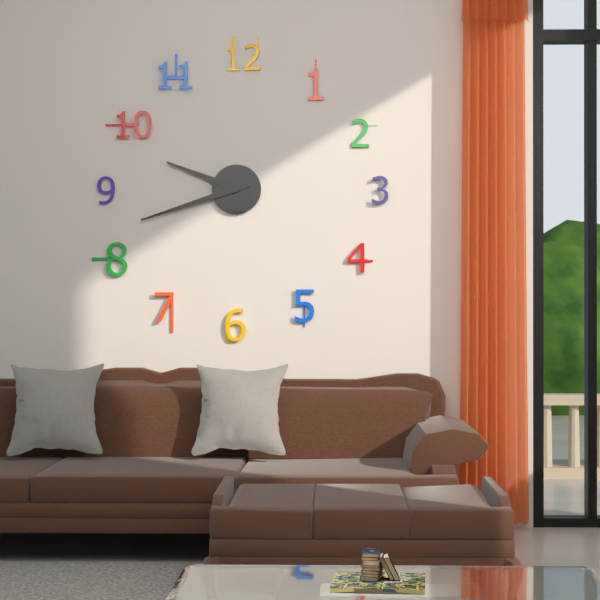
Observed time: 9h42
